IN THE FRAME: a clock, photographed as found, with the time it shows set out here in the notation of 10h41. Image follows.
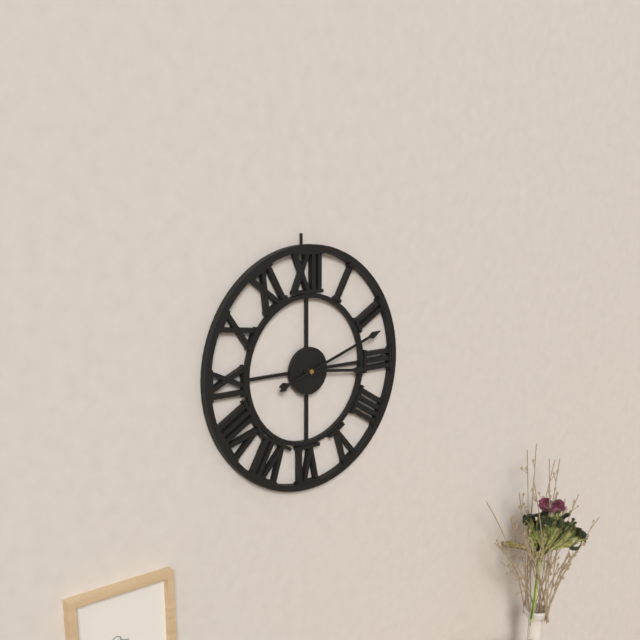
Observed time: 3h12
